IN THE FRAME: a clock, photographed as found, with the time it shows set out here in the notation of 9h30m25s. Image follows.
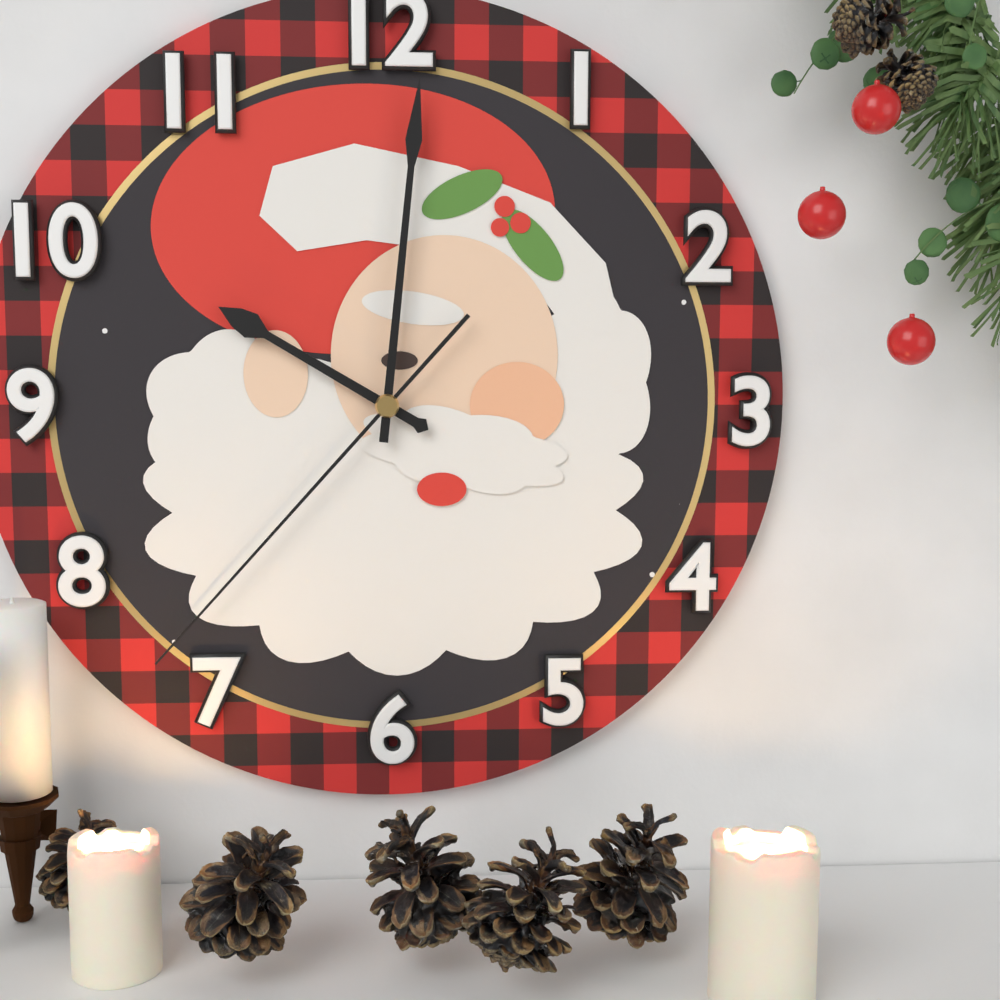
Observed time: 10h01m37s
